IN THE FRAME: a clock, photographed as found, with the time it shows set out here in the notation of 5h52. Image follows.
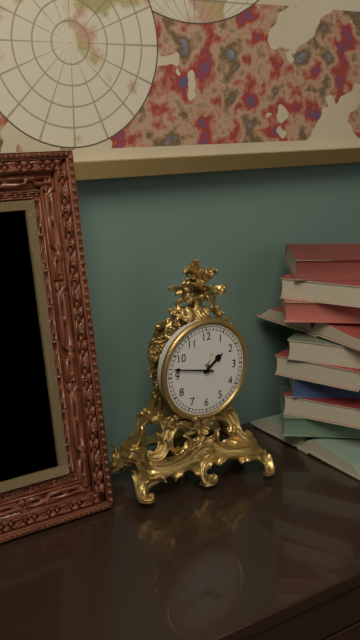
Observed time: 1h47
